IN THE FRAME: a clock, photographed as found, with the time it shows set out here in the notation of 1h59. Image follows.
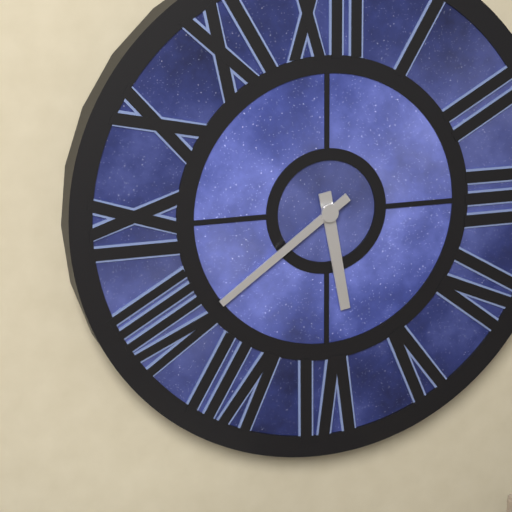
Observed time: 5h39
